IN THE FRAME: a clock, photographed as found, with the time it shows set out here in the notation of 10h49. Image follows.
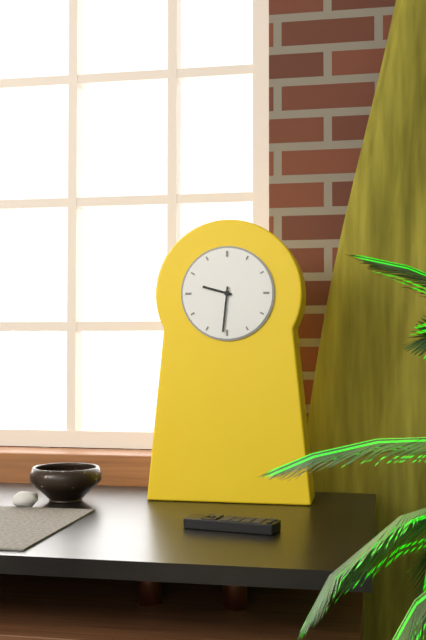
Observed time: 9h31
